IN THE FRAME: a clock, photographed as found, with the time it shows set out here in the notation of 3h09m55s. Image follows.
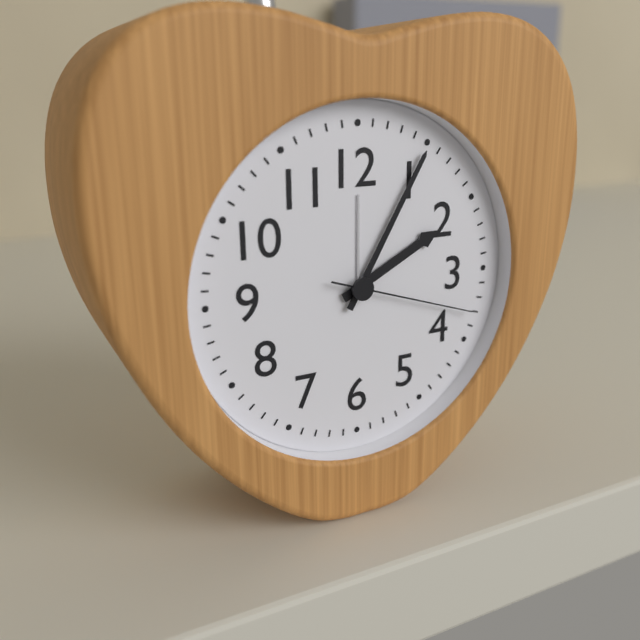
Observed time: 2h05m18s
